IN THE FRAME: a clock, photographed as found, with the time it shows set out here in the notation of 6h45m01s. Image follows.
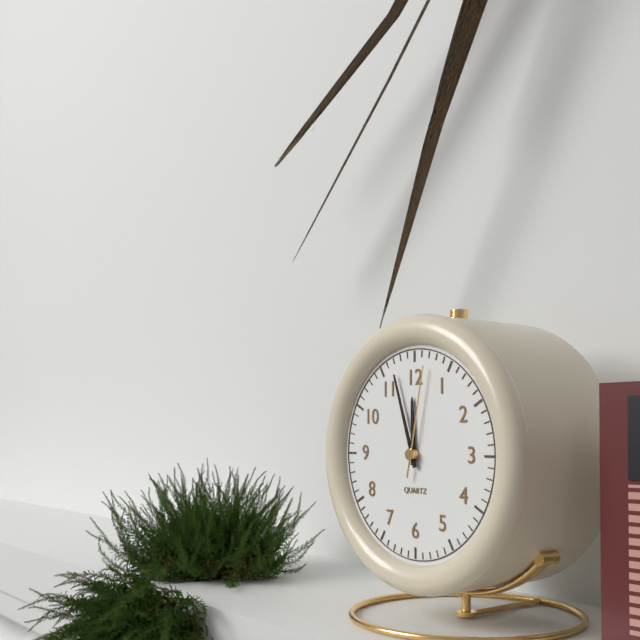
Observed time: 11h57m02s
